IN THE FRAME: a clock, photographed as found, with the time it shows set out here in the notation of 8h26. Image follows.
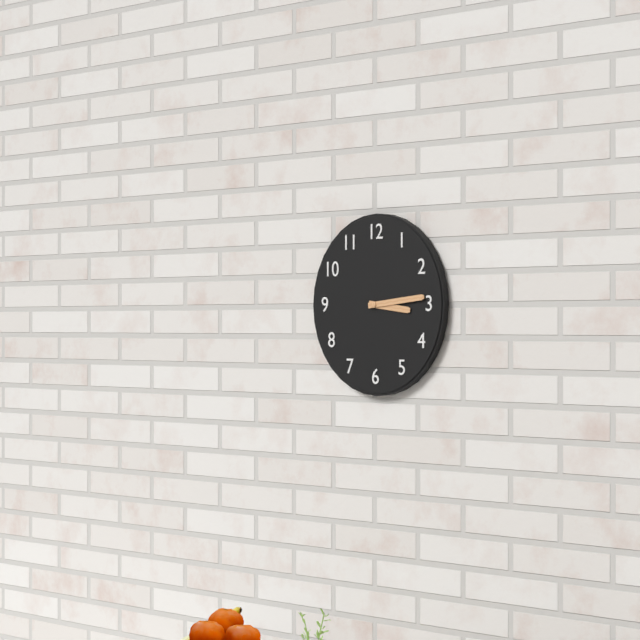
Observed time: 3h14
